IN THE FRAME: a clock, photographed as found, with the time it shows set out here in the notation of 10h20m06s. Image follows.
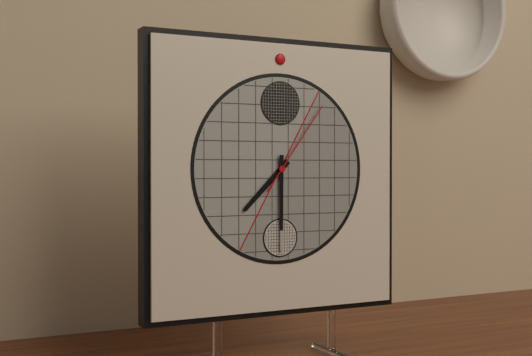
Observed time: 7h30m06s
